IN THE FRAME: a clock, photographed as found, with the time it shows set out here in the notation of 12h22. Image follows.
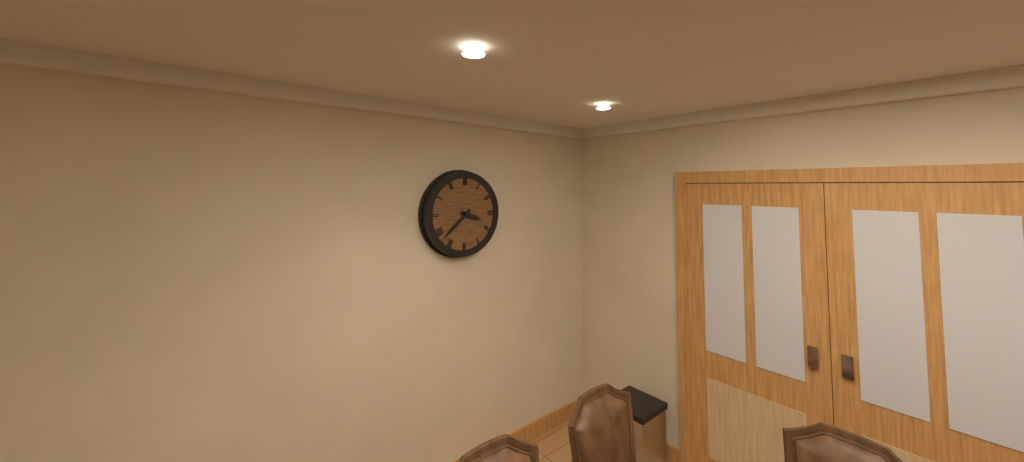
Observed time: 3h38
